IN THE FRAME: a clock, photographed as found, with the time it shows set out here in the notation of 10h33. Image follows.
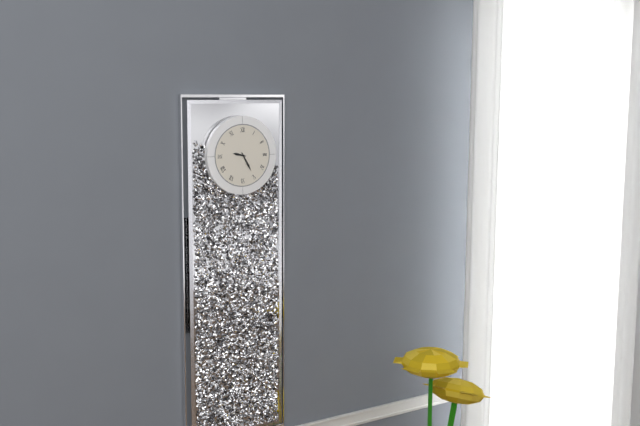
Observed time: 9h25
